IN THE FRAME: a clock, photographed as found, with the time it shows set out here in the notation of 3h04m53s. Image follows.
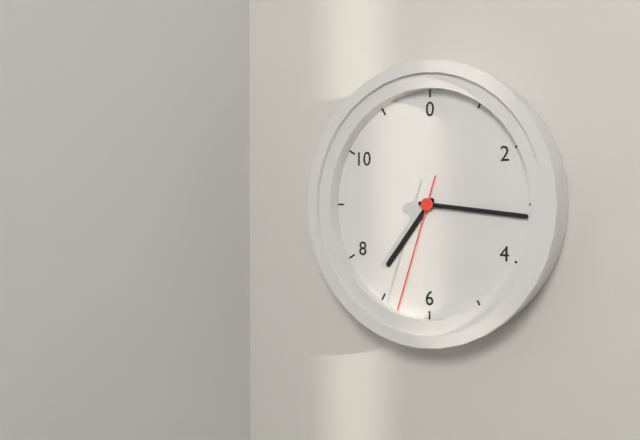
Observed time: 7h16m33s
